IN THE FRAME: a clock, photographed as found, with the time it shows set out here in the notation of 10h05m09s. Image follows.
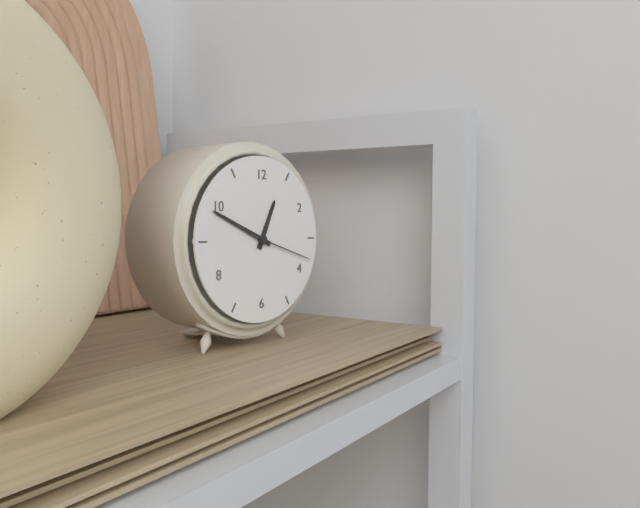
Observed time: 12h49m18s
